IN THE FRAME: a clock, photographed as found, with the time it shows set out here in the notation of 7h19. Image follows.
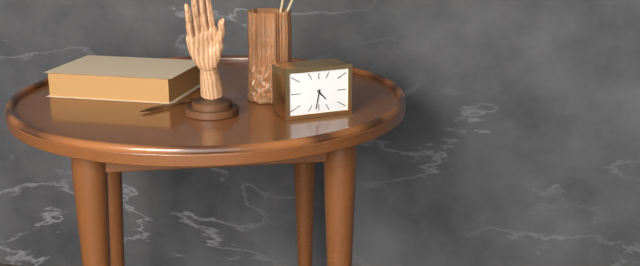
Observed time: 4h32
